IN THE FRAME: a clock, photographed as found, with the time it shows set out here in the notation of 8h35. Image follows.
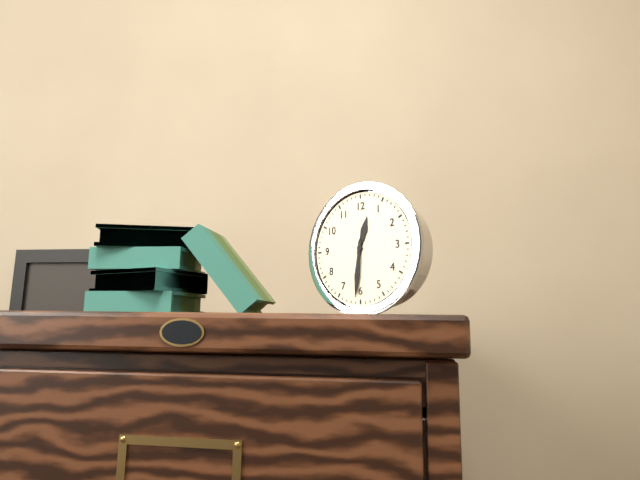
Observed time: 12h31
